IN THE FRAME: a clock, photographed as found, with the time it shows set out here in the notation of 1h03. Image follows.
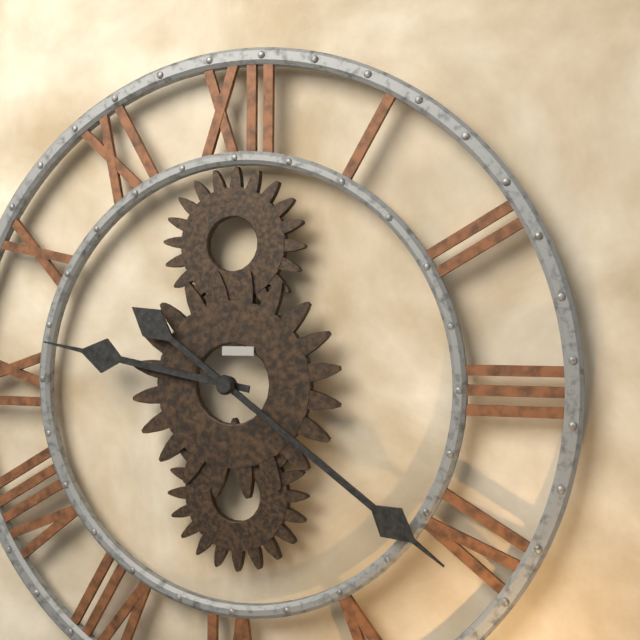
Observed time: 9h21
